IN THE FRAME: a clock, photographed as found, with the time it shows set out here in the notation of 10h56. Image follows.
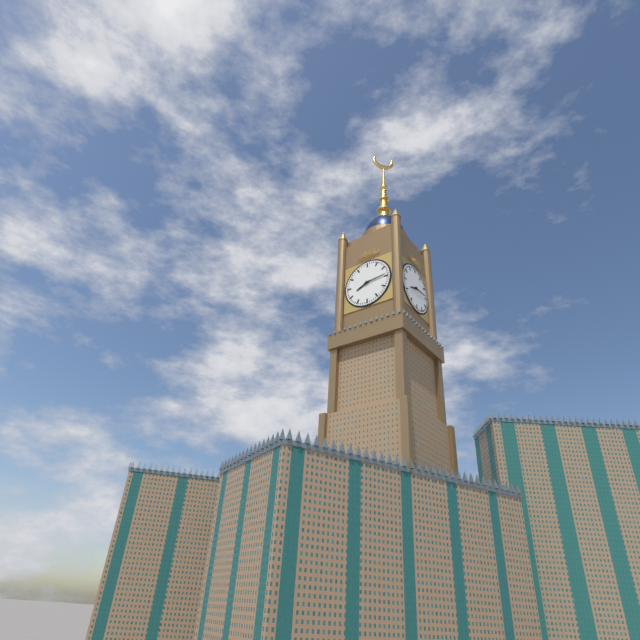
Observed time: 8h14
